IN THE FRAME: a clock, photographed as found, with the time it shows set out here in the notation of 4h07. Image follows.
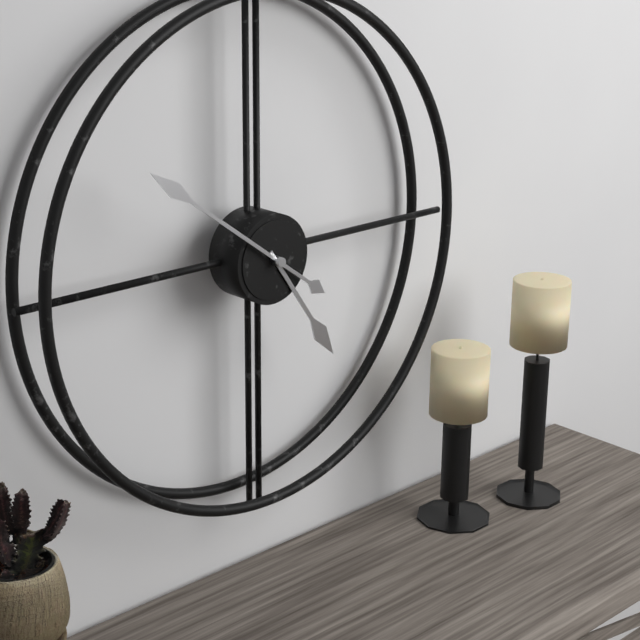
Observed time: 4h51
